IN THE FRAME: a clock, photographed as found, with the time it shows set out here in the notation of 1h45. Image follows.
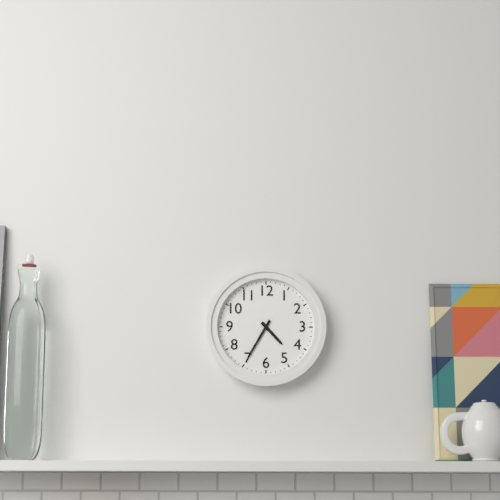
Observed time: 4h35
